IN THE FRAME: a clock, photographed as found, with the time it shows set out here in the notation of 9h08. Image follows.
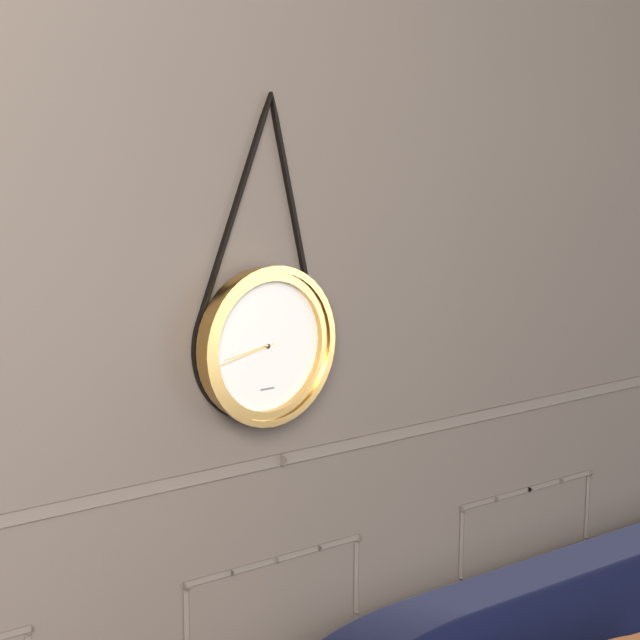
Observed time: 8h43
